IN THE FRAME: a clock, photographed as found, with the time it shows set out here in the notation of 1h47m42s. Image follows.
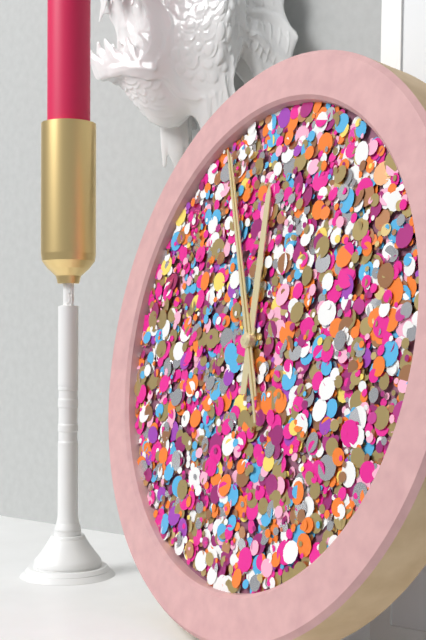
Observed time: 11h56m56s
